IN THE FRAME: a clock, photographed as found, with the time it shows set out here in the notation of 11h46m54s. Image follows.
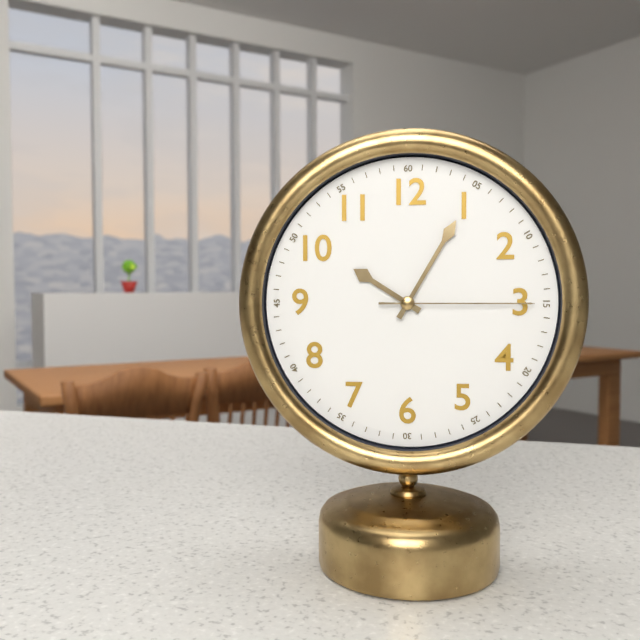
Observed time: 10h05m15s
